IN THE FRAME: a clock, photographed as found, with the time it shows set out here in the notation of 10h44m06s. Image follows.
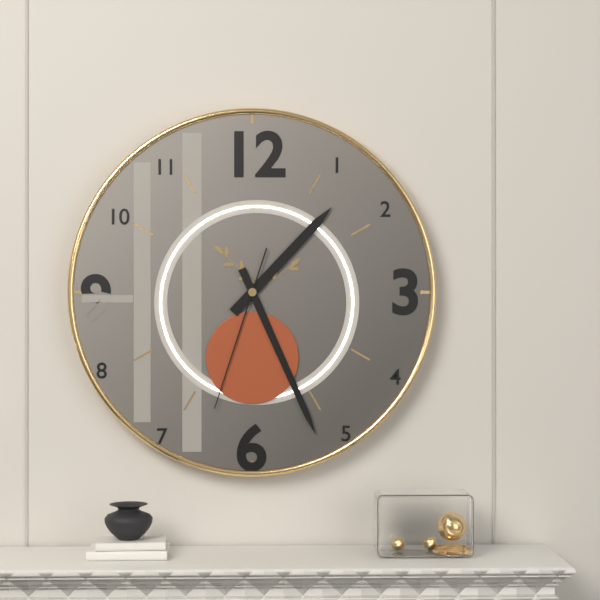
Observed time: 1h26m33s
